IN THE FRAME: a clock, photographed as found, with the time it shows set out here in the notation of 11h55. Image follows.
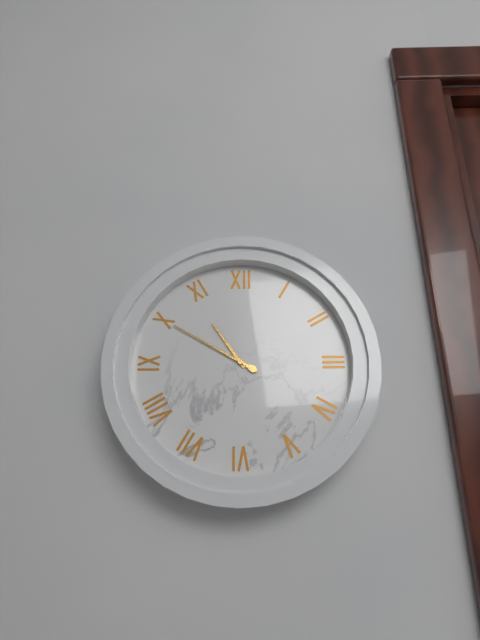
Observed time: 10h50
